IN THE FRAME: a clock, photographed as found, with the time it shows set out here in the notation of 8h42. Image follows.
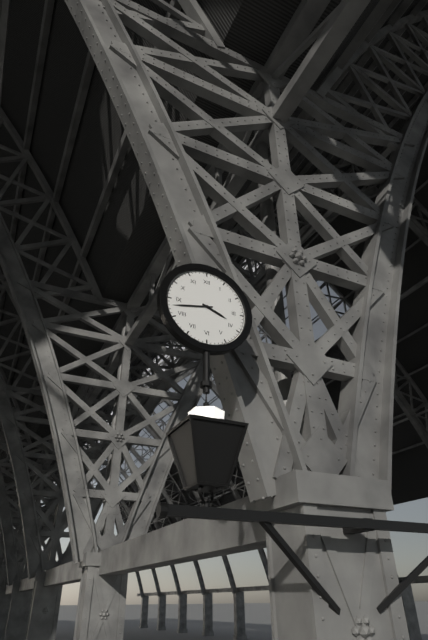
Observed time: 3h43
